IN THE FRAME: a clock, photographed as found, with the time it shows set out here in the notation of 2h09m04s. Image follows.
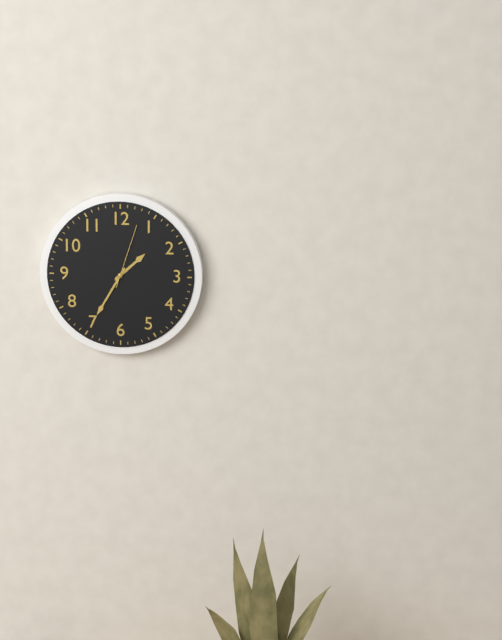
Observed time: 1h35m03s
